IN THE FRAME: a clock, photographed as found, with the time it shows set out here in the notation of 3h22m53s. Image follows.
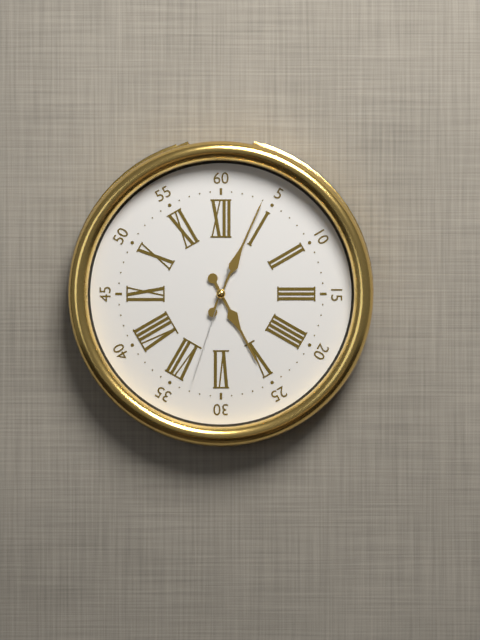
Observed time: 5h04m33s
